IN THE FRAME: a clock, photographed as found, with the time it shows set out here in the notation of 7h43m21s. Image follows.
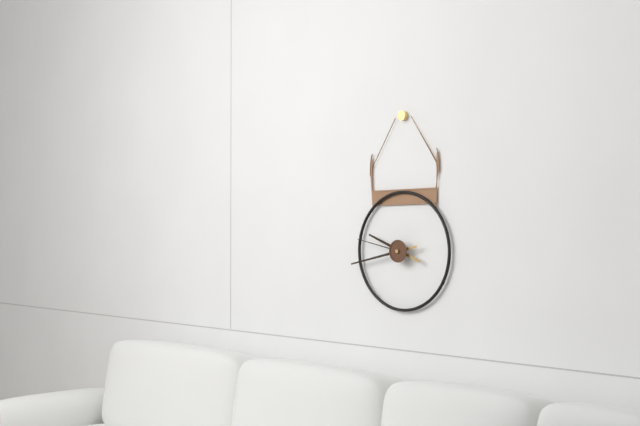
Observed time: 9h43m47s
